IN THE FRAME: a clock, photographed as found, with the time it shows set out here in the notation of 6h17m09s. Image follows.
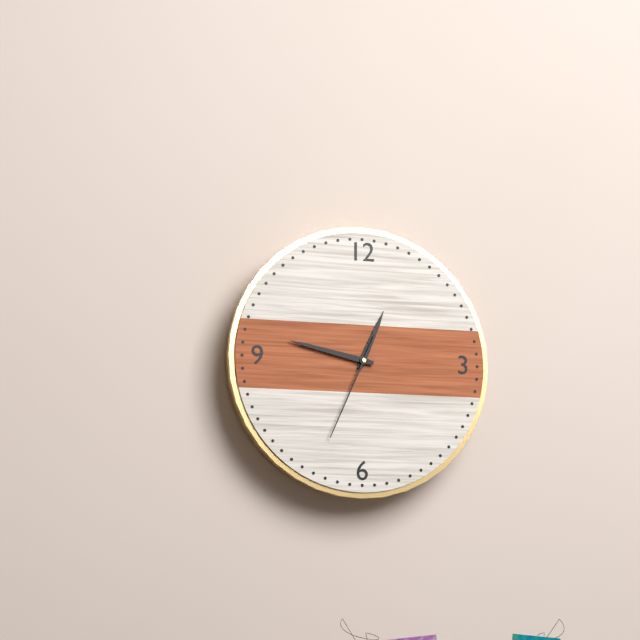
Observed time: 12h47m34s
